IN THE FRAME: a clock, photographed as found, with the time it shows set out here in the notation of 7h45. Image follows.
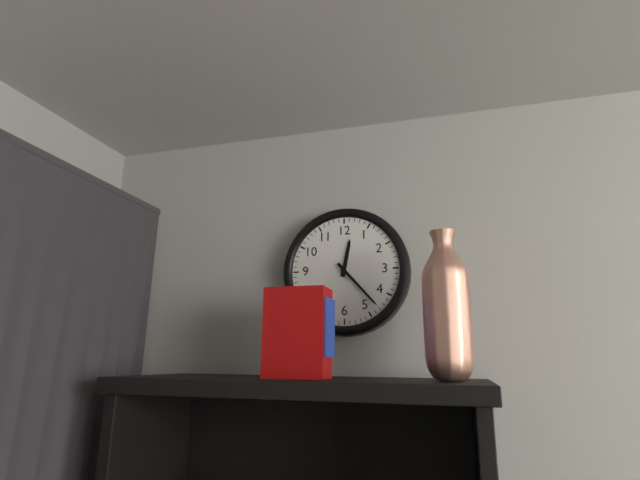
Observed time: 12h23
